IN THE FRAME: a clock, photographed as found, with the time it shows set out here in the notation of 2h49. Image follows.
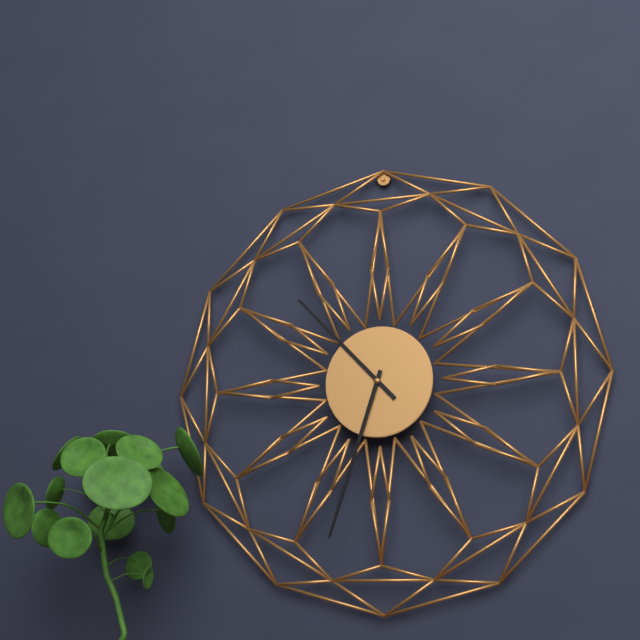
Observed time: 10h33
